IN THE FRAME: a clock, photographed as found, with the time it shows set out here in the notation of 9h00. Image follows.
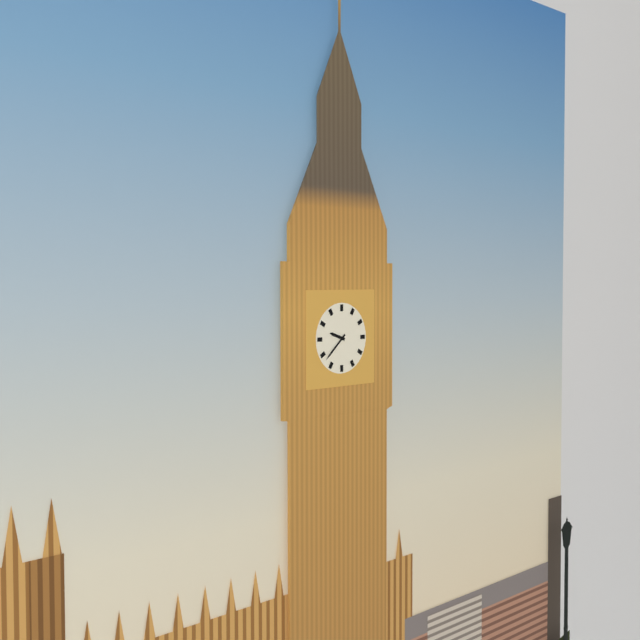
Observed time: 9h38
